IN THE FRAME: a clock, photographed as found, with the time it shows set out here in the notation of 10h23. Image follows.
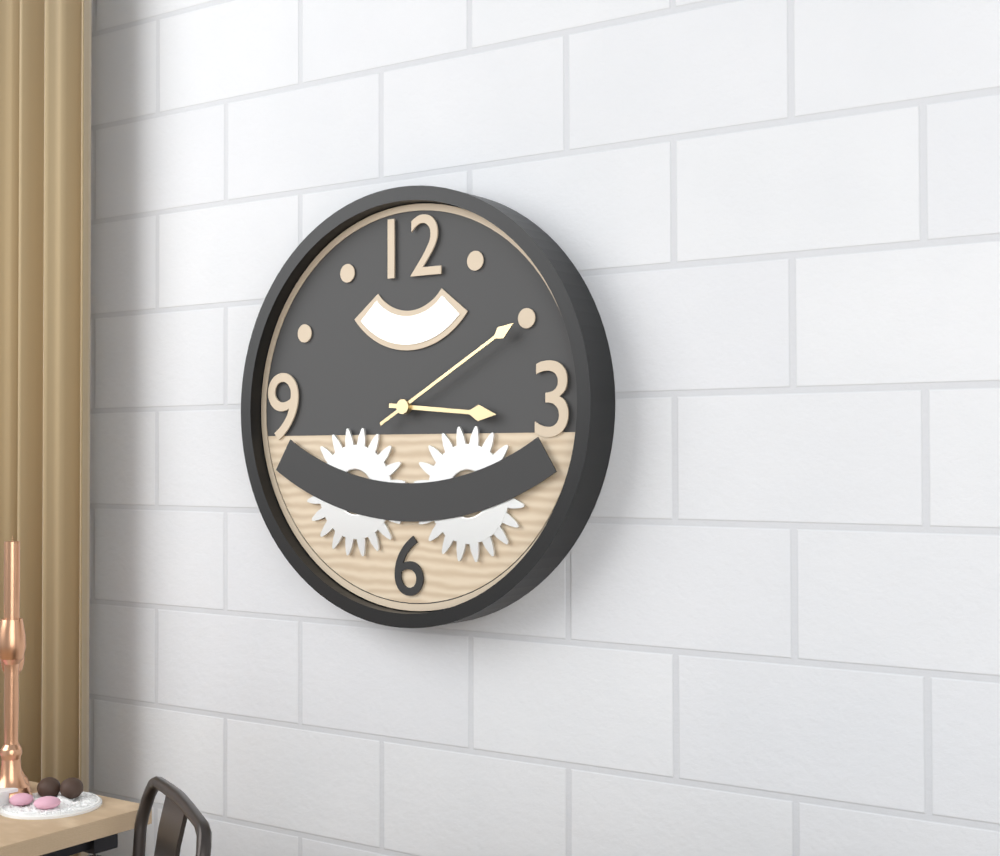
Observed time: 3h10
